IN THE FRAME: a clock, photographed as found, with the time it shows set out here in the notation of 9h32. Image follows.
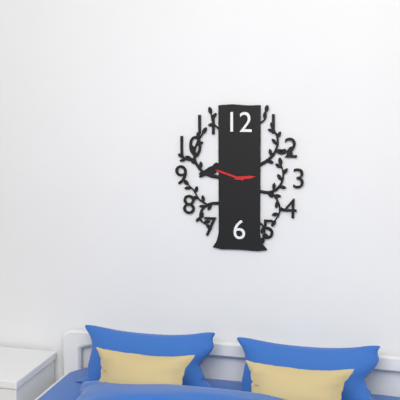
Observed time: 2h48
